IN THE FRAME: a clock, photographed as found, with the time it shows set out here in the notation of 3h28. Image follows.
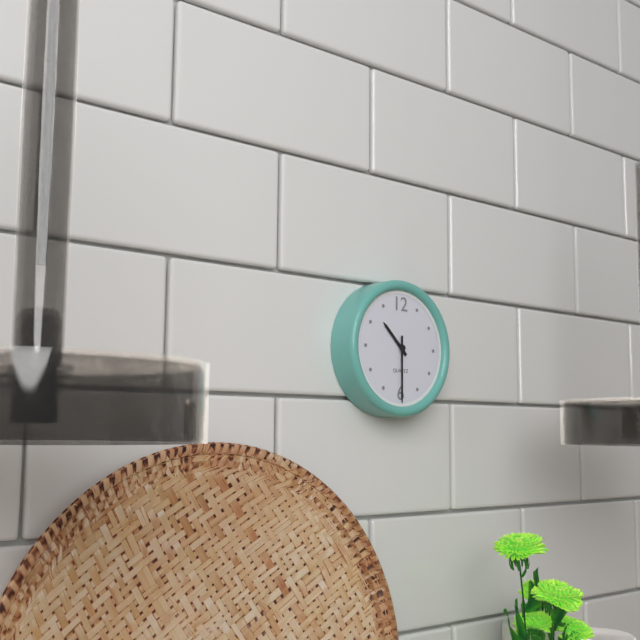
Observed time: 10h30
